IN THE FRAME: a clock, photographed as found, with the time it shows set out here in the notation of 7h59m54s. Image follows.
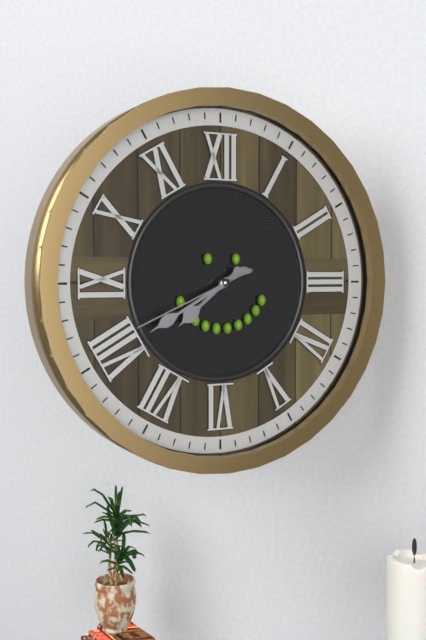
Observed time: 7h40m41s
